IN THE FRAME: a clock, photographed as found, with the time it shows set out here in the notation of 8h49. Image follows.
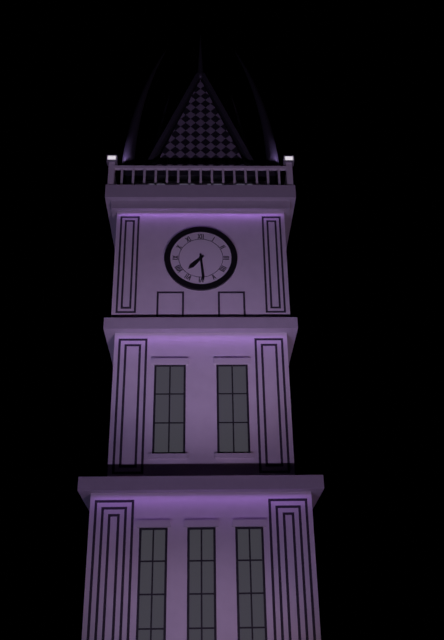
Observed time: 7h29
